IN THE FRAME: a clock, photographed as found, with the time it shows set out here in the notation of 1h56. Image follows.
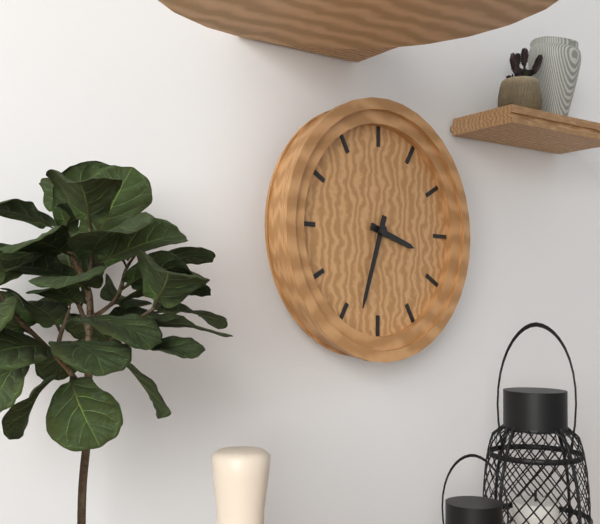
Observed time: 3h33
